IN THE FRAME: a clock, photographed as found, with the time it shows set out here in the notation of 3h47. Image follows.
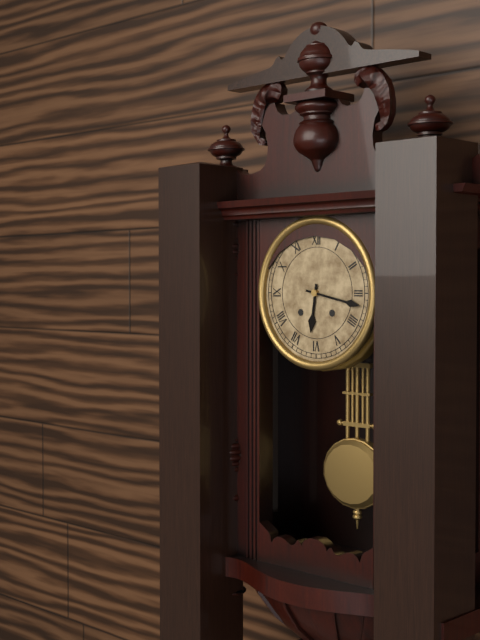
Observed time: 6h17
